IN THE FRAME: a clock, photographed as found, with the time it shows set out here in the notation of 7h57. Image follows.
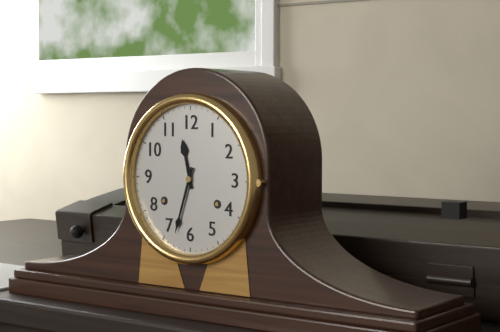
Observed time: 11h33
